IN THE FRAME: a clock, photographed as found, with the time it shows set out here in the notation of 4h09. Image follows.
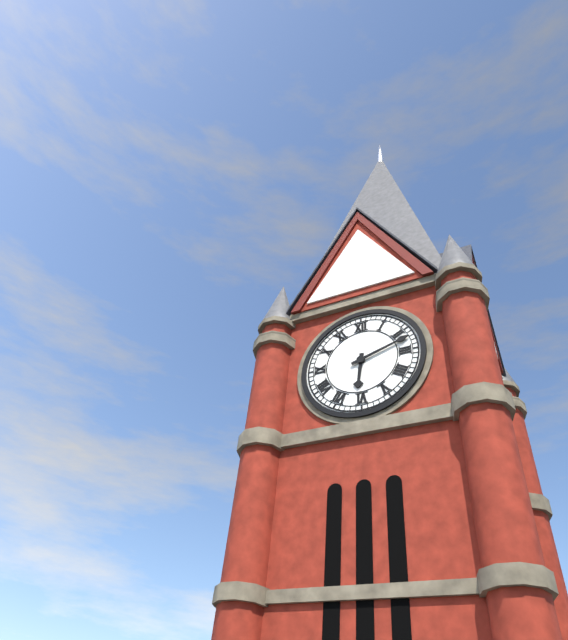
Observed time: 6h12
